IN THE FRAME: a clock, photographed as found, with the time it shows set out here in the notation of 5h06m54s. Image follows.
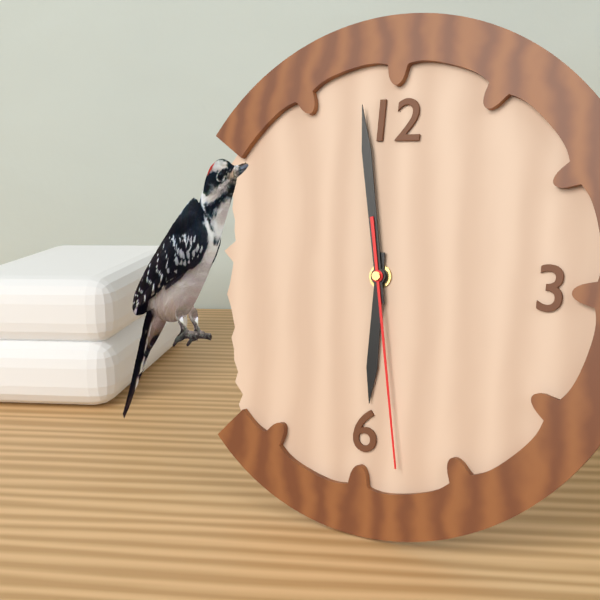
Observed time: 5h58m28s
